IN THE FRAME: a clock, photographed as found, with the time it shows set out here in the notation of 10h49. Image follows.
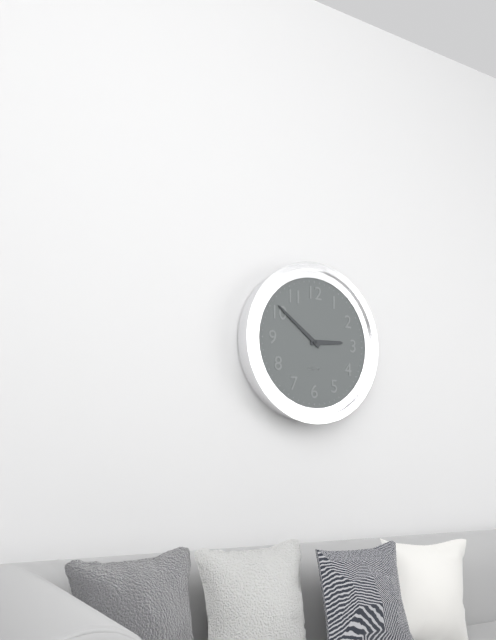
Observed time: 2h51
